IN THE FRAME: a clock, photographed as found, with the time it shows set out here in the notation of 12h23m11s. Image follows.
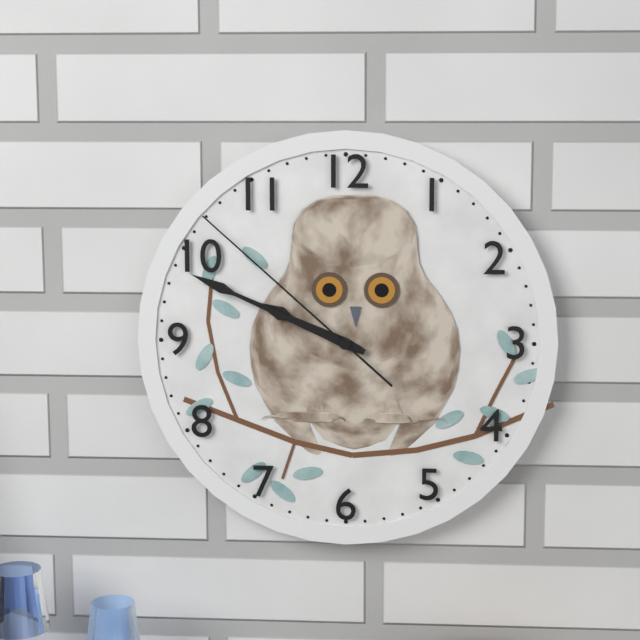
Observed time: 9h49m52s
